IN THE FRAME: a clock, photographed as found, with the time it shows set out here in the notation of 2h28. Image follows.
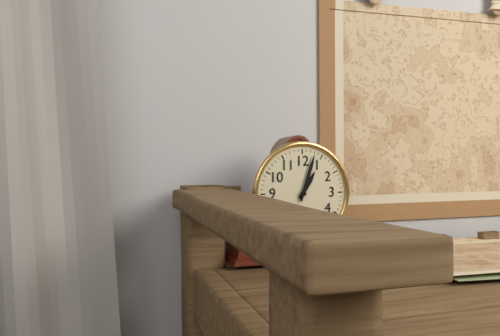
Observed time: 1h03
